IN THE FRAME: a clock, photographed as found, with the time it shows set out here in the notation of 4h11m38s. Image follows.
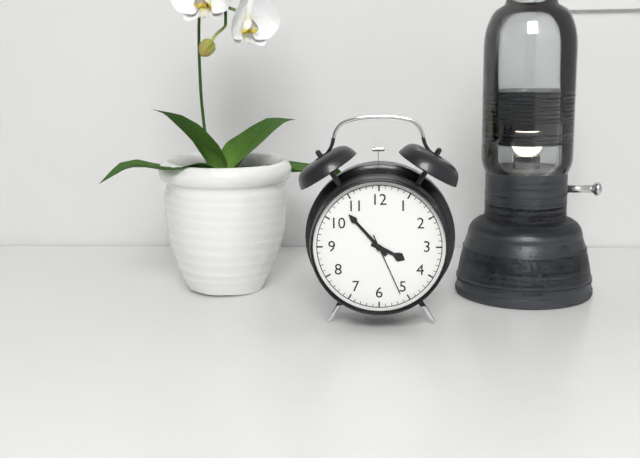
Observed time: 3h53m26s
